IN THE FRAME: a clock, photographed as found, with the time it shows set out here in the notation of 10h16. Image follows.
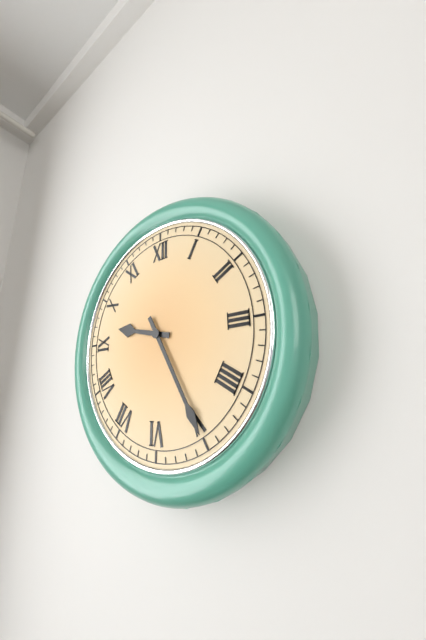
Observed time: 9h25
